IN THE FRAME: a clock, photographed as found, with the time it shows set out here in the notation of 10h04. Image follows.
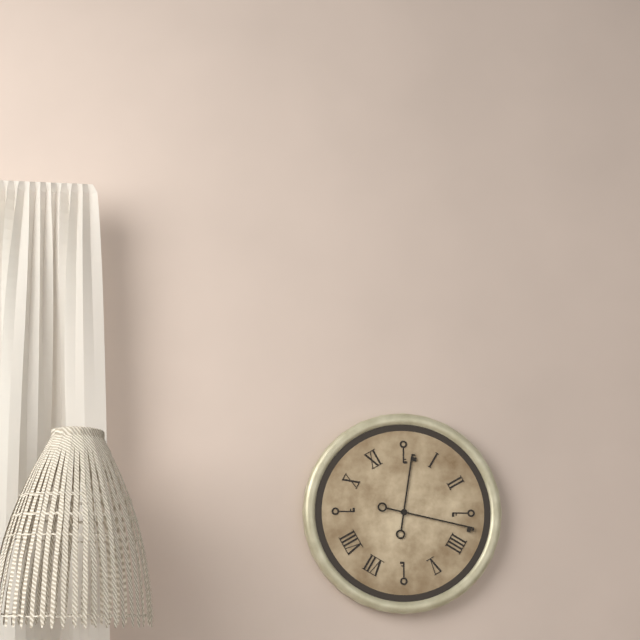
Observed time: 12h17
